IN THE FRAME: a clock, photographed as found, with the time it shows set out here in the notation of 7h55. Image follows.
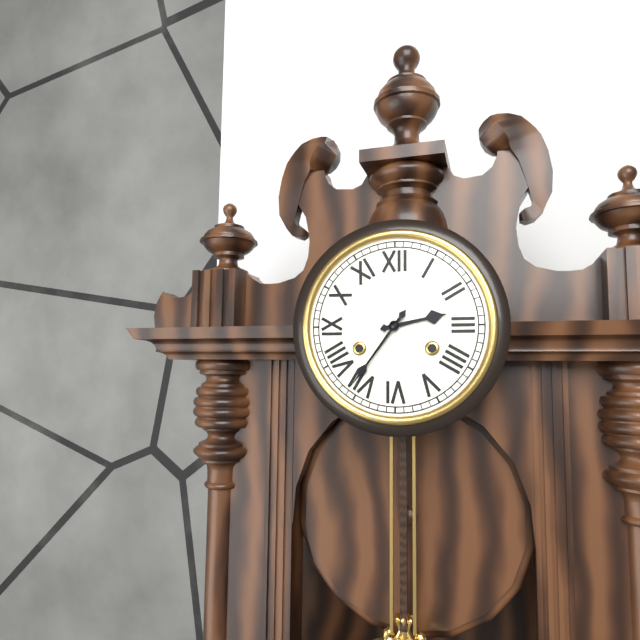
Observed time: 2h36
